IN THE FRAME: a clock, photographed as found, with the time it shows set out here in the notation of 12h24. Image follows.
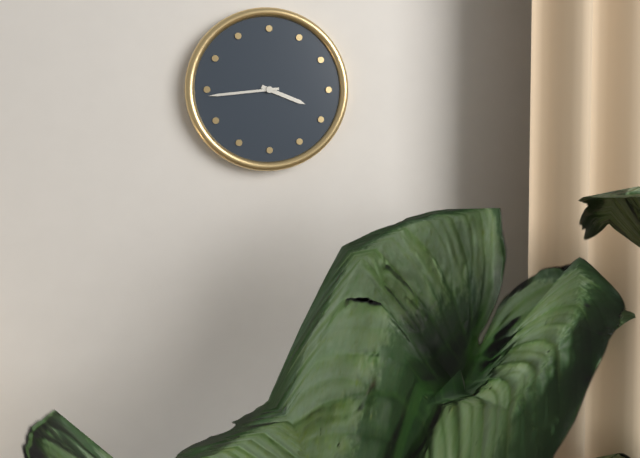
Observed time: 3h44
